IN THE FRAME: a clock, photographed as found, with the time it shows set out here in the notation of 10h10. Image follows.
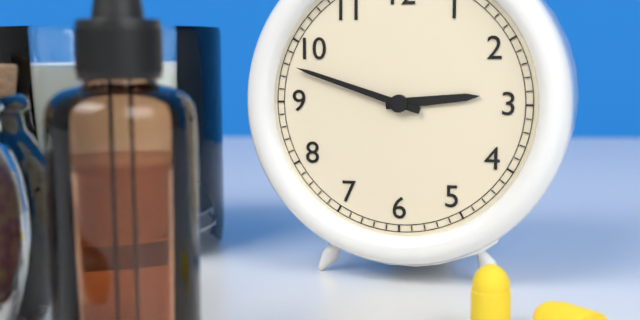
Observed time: 2h48
